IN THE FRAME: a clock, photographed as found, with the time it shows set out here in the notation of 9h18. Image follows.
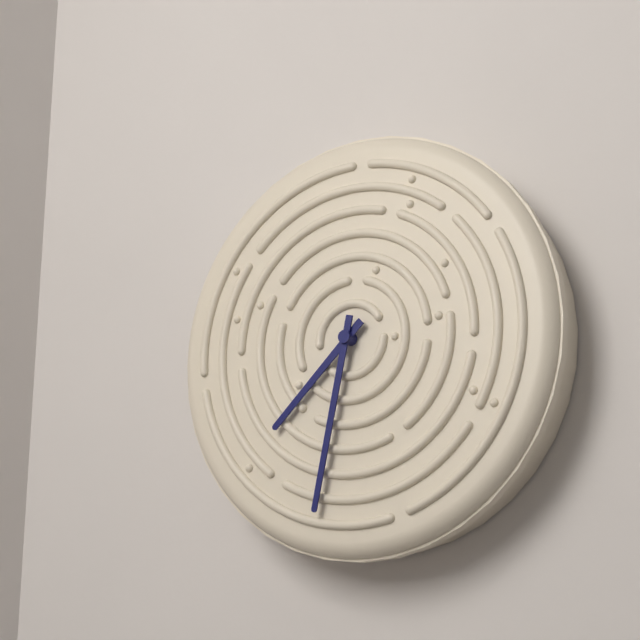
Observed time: 7h32
